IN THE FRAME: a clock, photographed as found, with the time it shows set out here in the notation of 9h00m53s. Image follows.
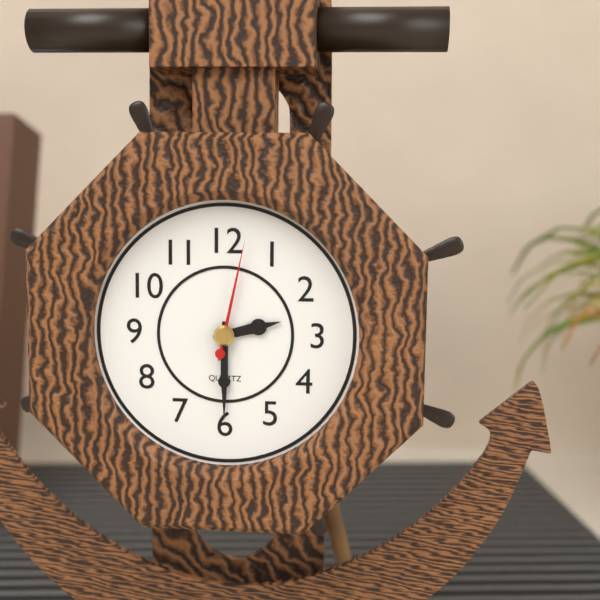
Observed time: 2h30m02s
